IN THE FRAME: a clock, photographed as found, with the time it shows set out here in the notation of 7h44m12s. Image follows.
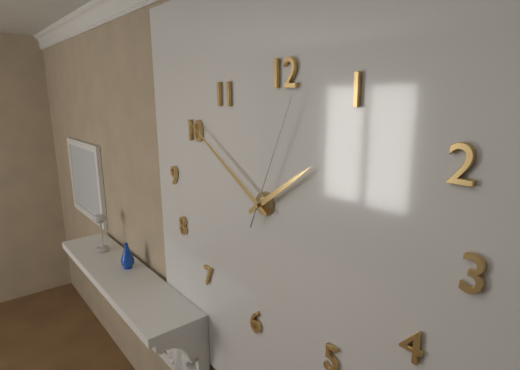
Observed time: 1h50m04s
